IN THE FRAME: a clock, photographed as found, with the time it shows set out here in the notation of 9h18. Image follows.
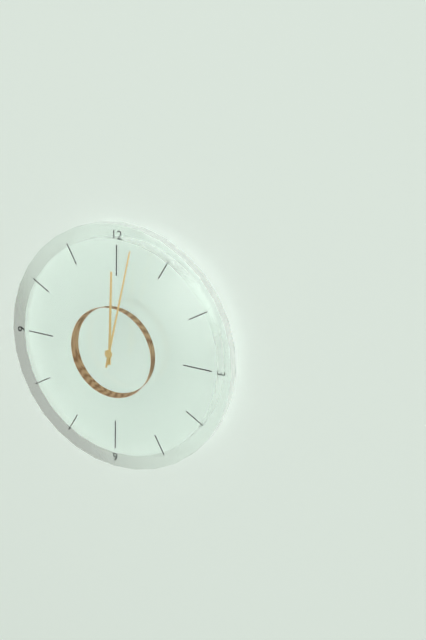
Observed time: 12h02
